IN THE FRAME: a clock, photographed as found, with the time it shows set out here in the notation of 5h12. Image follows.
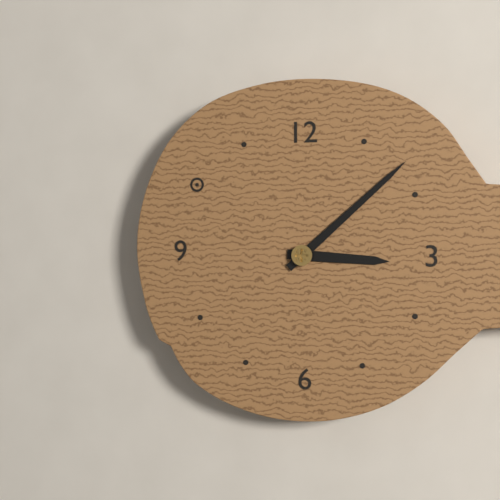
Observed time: 3h08
